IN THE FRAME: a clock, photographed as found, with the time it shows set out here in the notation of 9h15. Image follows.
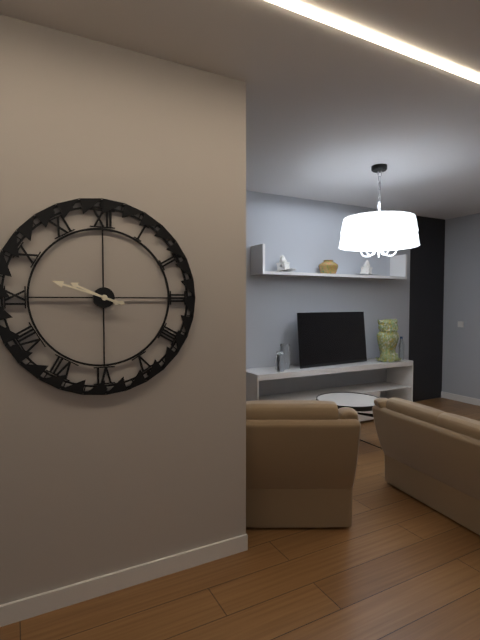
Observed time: 9h48
